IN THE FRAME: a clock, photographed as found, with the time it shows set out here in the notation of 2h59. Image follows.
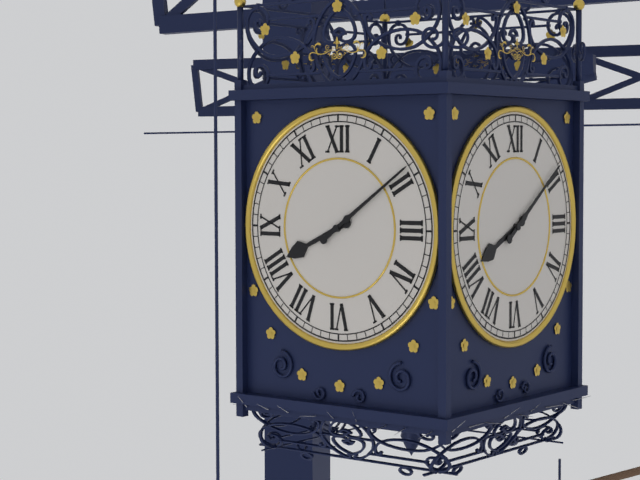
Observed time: 8h09
